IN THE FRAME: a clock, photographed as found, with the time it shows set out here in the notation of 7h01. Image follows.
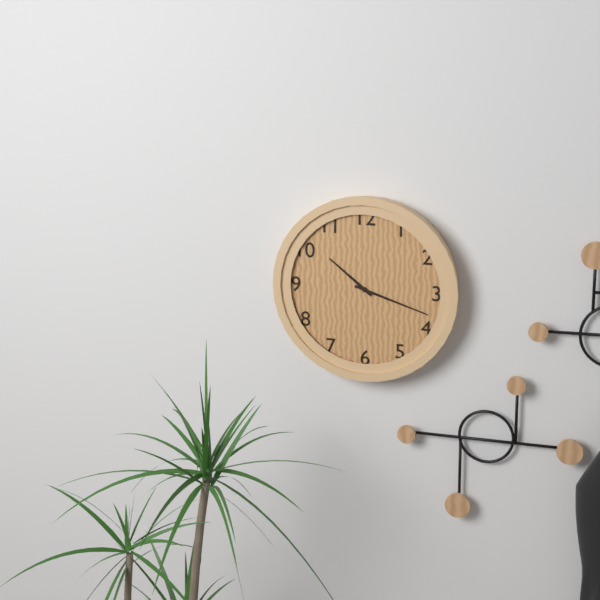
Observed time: 10h18
